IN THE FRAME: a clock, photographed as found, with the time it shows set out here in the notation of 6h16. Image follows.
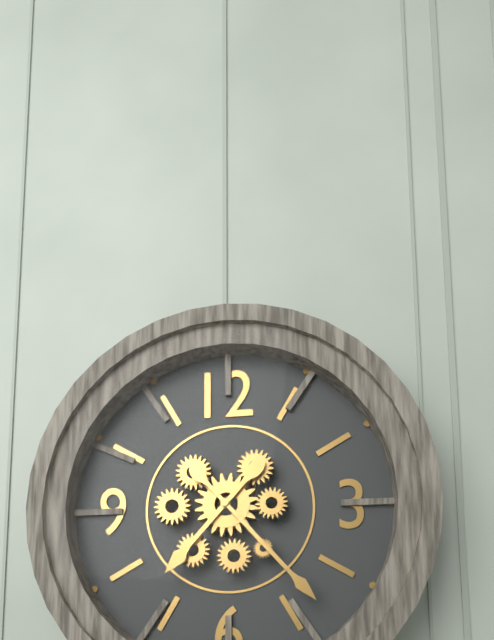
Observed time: 7h23
